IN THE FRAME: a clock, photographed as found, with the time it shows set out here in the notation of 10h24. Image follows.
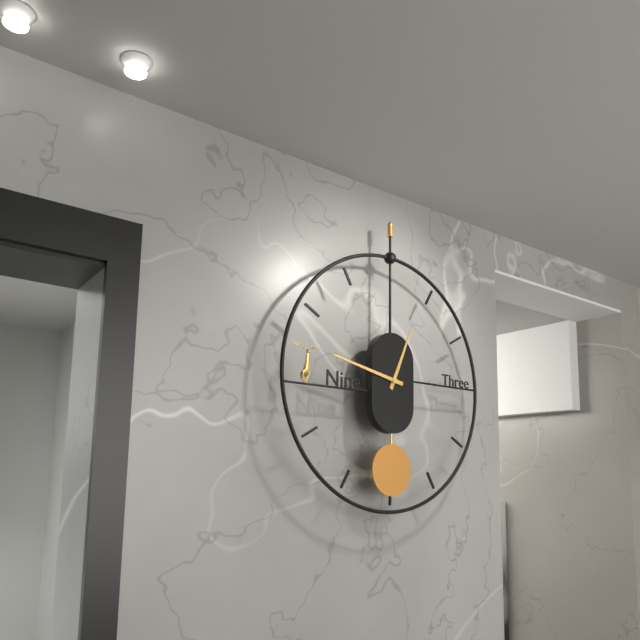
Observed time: 12h47
